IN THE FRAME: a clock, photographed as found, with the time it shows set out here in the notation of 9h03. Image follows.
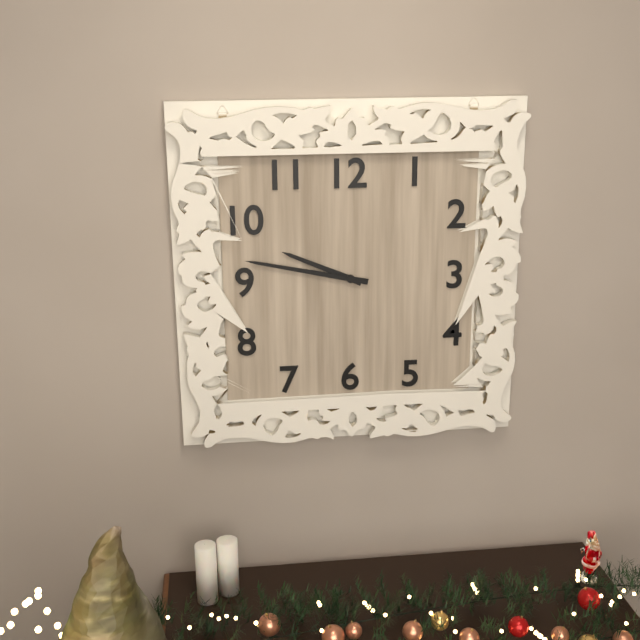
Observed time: 9h47
